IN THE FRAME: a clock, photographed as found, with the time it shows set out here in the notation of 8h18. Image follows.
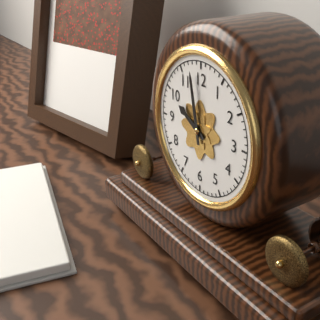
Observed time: 9h58
